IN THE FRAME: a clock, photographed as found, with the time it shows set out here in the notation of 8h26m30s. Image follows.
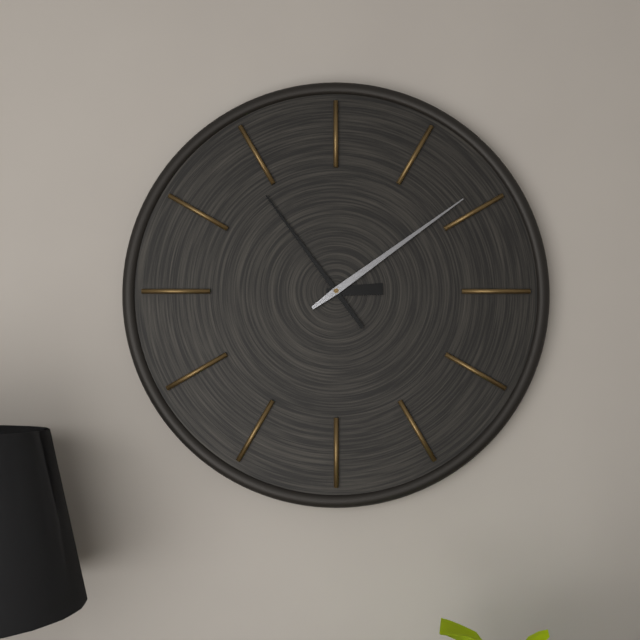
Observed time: 2h54m09s
